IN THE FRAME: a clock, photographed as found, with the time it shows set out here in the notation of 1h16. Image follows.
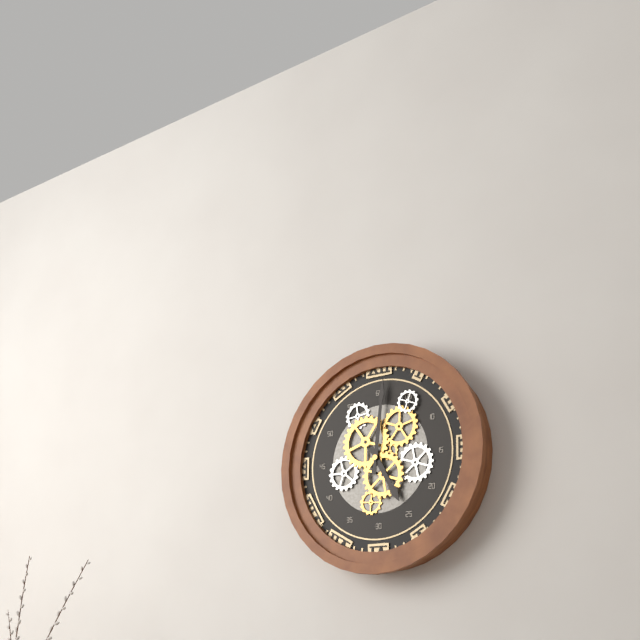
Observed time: 5h01
